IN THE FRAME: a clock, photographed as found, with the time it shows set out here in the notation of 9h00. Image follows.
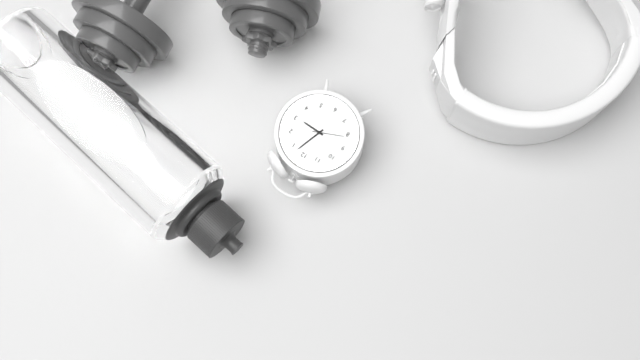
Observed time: 3h03
